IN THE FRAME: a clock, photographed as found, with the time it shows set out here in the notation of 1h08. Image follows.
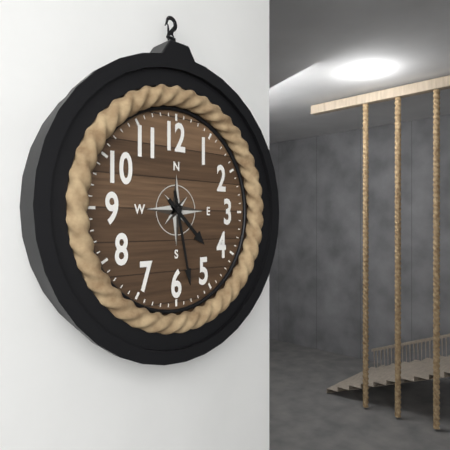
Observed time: 4h28
